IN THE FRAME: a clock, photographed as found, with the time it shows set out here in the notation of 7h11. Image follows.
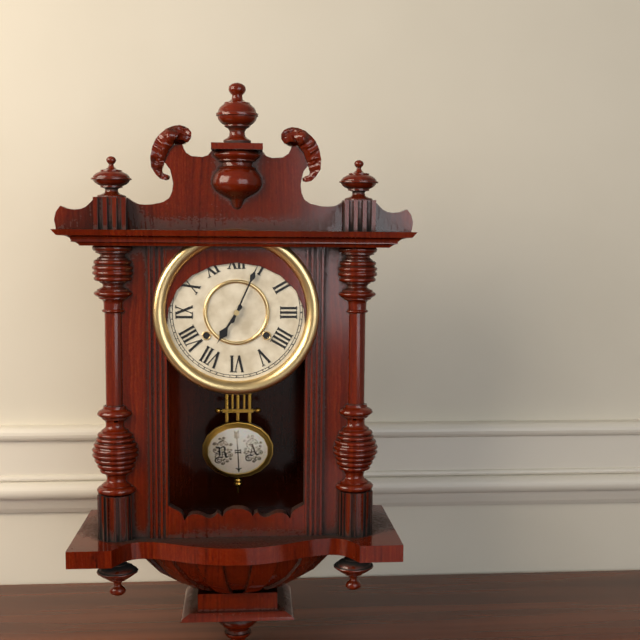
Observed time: 7h04
